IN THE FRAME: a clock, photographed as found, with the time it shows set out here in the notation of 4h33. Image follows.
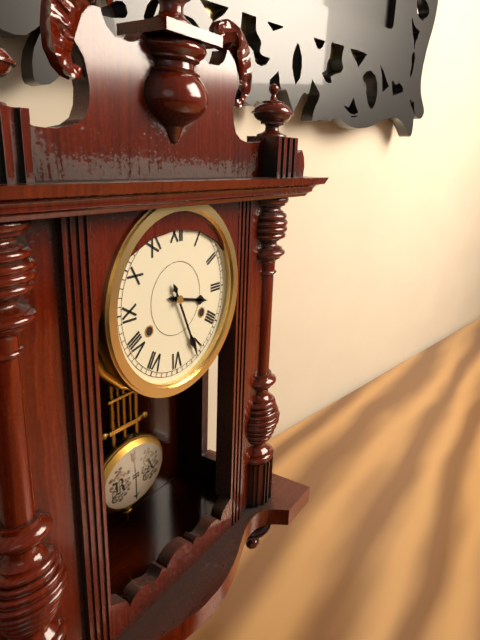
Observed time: 3h26
